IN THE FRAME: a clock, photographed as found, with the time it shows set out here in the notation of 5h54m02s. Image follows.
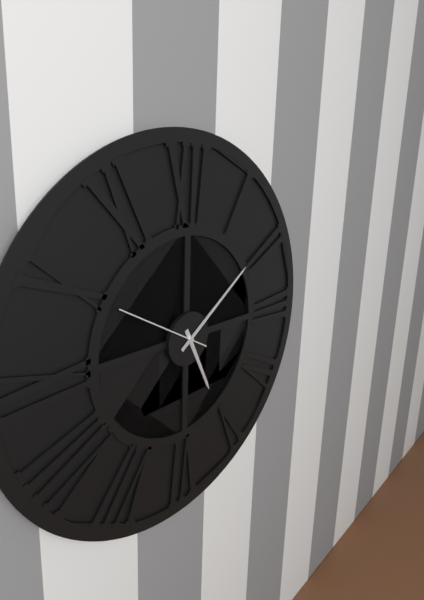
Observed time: 5h09m50s
